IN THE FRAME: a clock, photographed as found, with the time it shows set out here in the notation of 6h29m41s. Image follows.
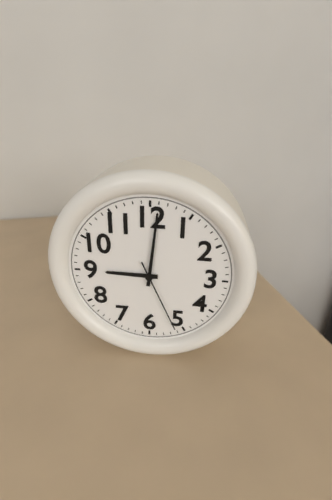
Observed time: 9h01m26s
